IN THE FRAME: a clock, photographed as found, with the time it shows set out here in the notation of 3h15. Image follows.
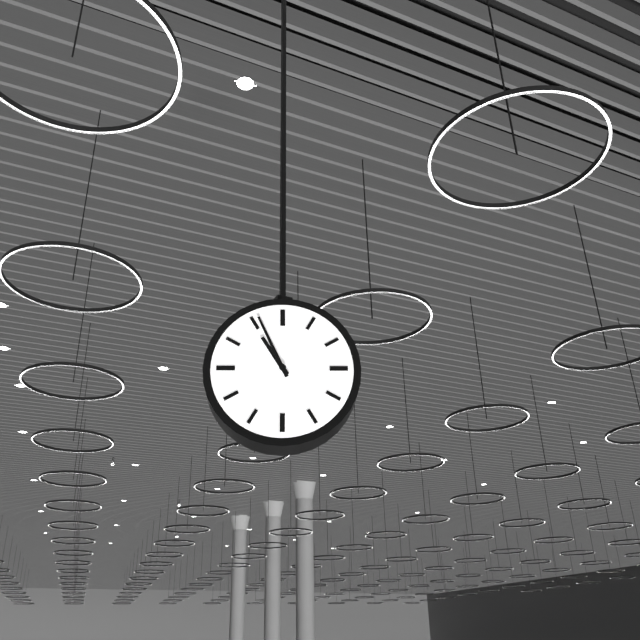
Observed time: 10h56
